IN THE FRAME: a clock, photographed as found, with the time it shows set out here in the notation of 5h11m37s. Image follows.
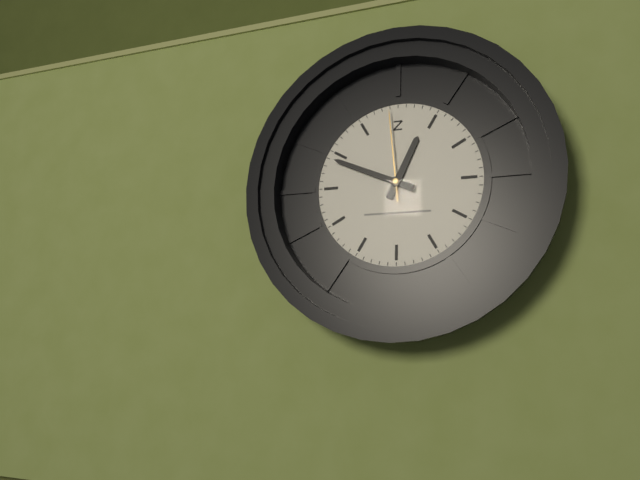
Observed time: 12h49m59s
